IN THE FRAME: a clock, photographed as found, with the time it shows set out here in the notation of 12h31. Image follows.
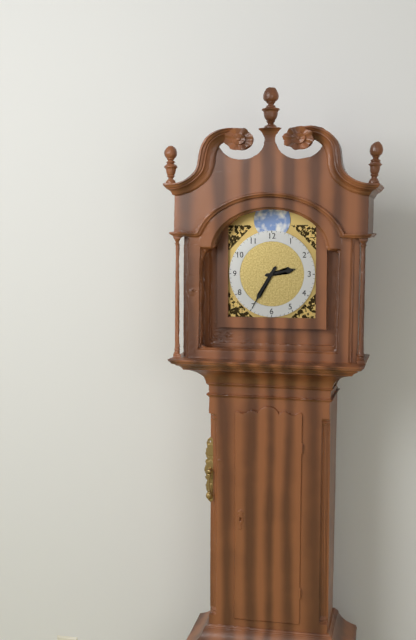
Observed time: 2h35
